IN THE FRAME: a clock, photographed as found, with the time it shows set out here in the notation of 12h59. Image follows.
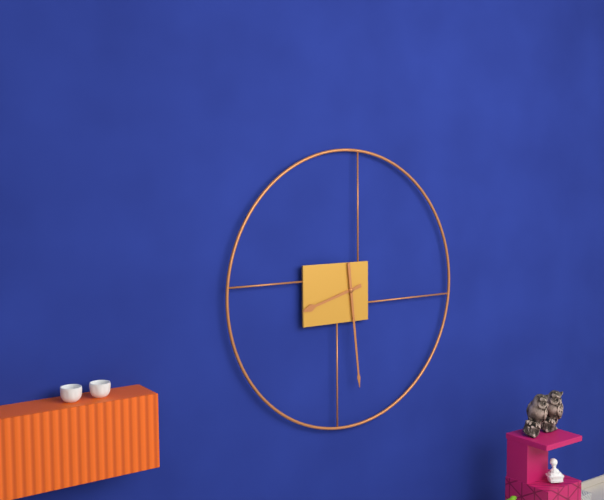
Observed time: 8h29
